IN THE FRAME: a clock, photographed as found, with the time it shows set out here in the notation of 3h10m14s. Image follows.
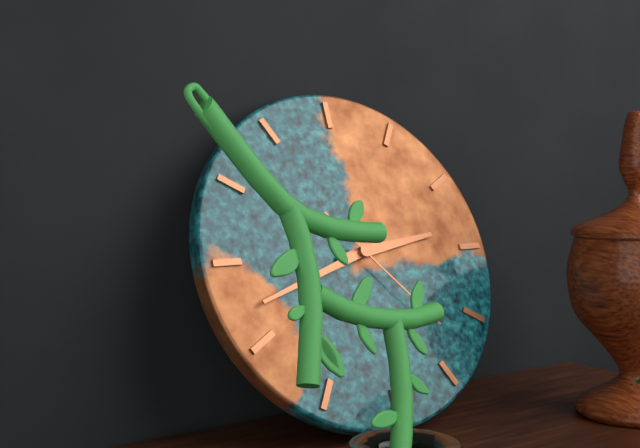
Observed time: 2h42m23s
